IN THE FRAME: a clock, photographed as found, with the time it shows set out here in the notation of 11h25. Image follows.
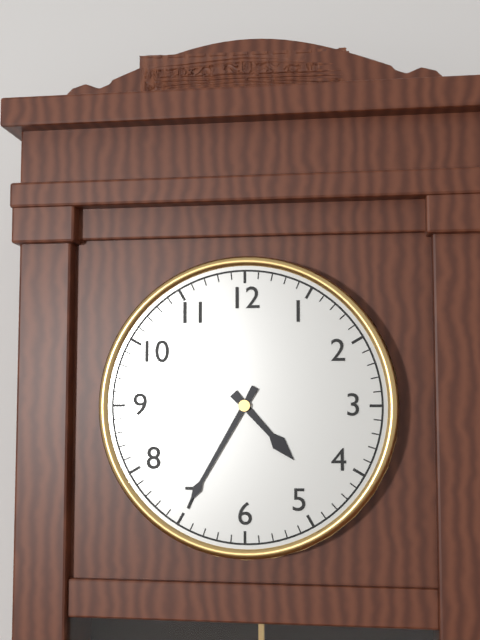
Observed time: 4h35
